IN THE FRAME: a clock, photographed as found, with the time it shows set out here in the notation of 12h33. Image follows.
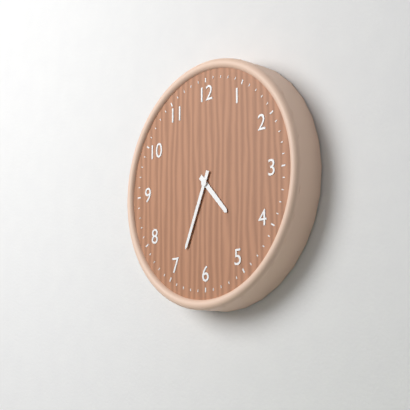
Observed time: 4h34
